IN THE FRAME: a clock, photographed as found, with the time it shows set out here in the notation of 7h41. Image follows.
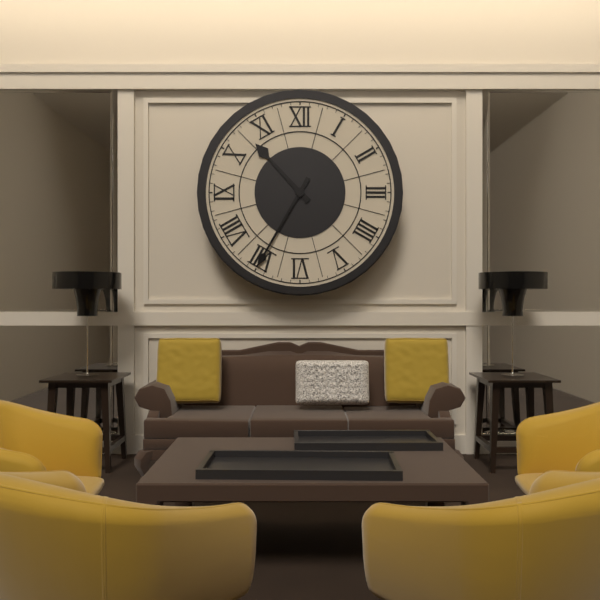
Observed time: 10h35
